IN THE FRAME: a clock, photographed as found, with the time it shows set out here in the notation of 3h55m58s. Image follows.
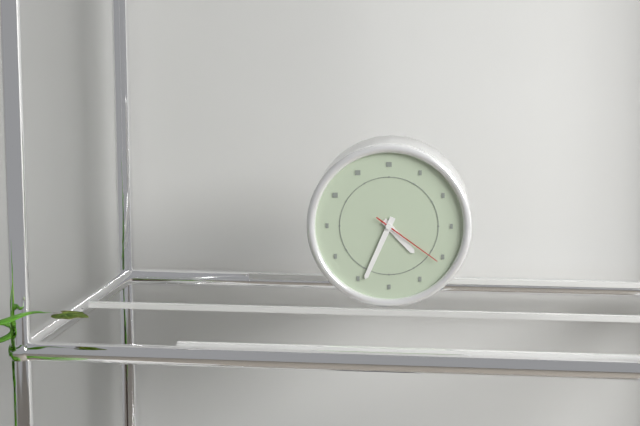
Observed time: 4h34m21s
